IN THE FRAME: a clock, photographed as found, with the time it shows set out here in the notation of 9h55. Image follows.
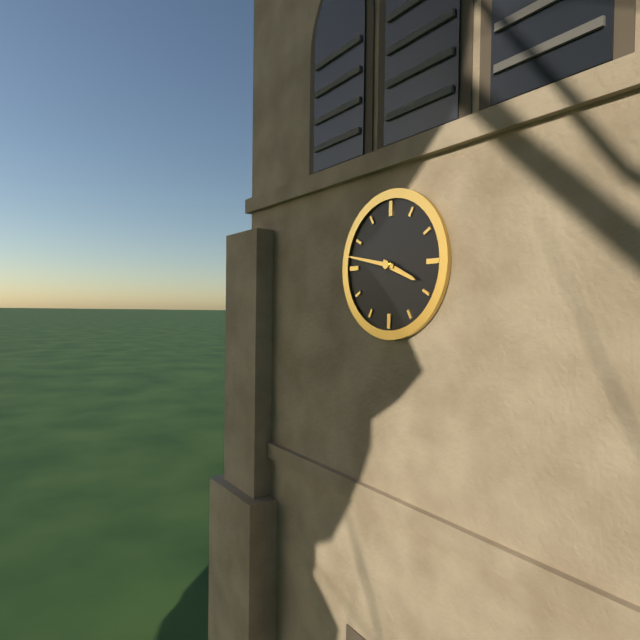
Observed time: 3h47
